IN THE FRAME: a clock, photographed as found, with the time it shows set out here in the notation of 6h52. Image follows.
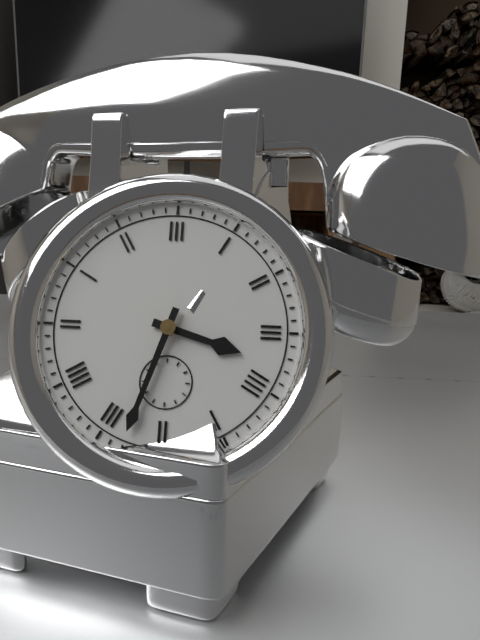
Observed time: 3h33
